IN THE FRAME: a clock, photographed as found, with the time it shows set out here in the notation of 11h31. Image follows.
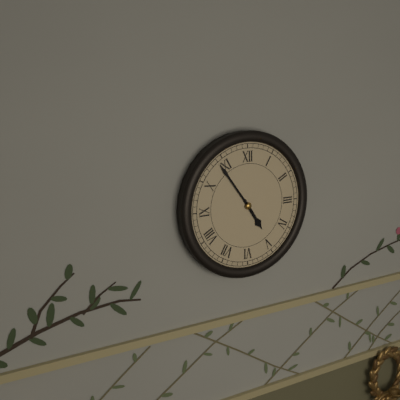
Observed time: 4h54
